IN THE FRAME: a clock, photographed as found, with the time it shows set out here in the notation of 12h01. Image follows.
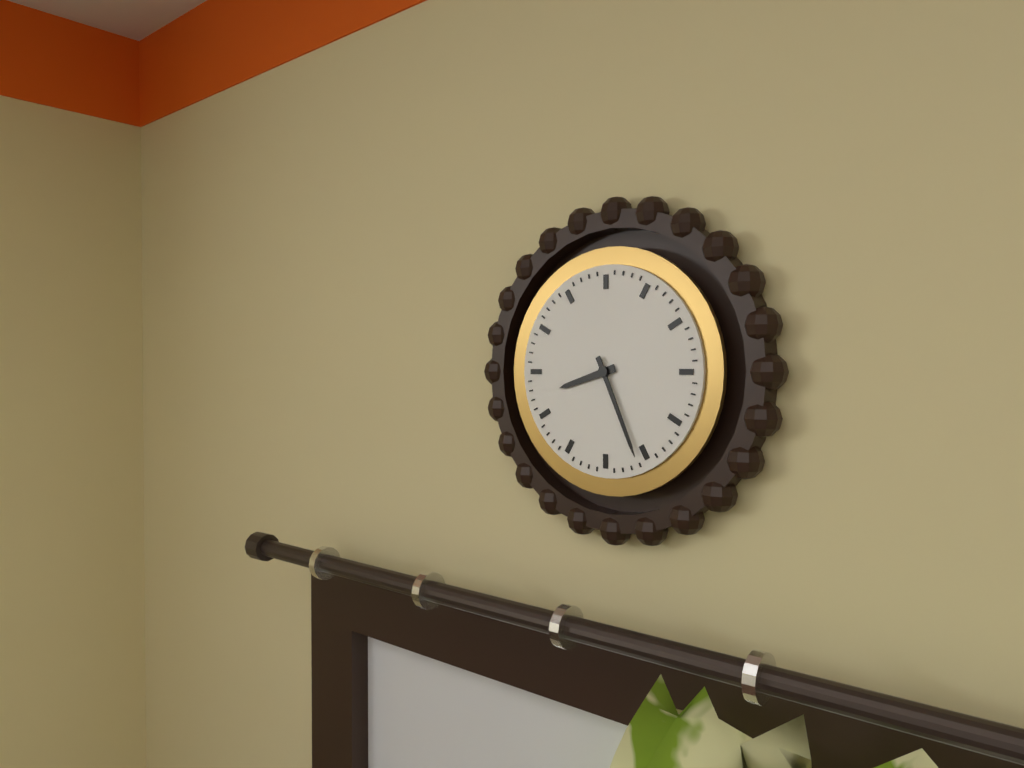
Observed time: 8h26
